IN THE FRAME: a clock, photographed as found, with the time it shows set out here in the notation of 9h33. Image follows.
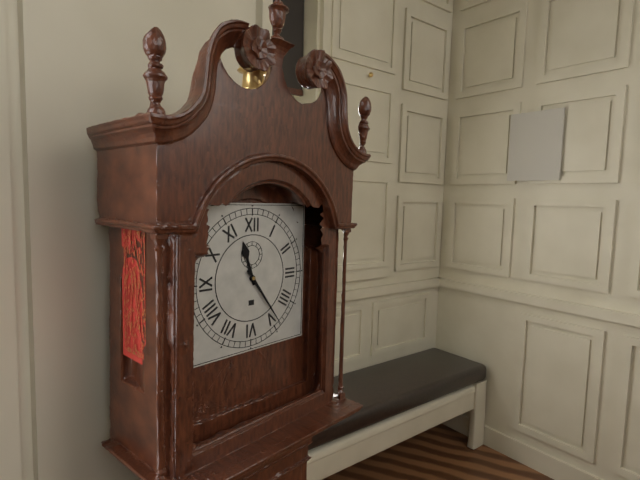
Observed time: 11h24
